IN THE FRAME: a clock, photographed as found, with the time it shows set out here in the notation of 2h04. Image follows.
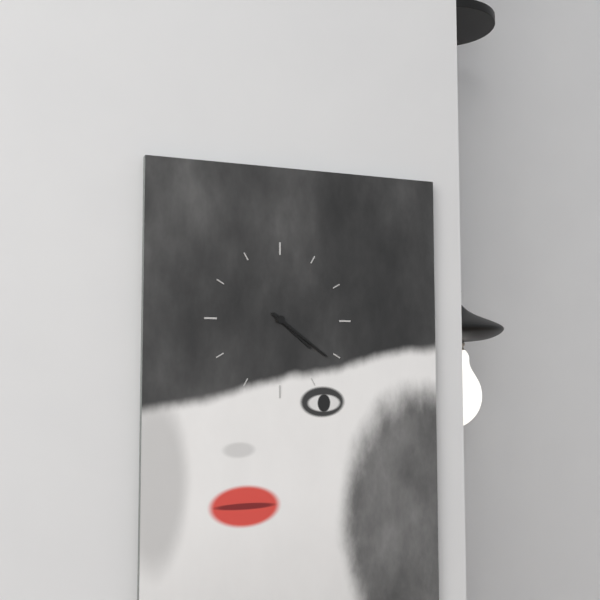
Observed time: 4h21
